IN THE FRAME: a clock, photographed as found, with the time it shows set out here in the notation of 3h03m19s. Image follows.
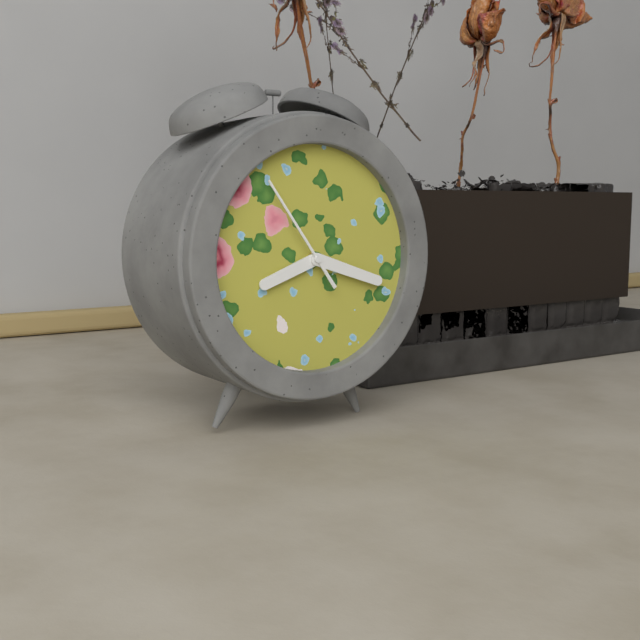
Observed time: 8h18m54s
